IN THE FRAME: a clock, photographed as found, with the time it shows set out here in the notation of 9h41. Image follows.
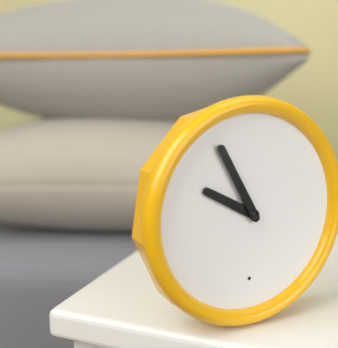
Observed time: 9h55
